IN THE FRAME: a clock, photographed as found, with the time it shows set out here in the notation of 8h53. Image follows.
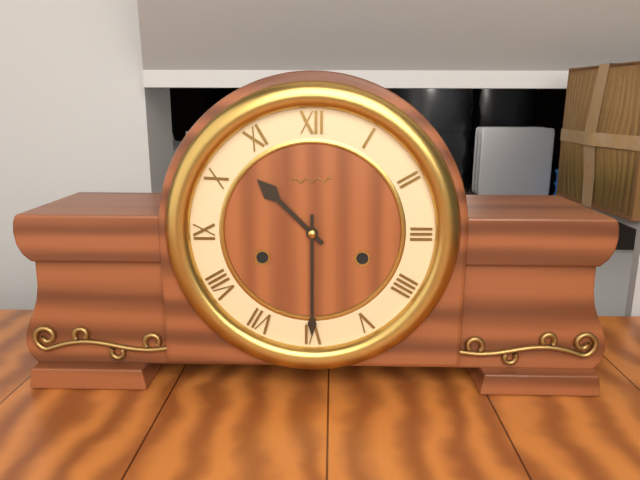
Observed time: 10h30
